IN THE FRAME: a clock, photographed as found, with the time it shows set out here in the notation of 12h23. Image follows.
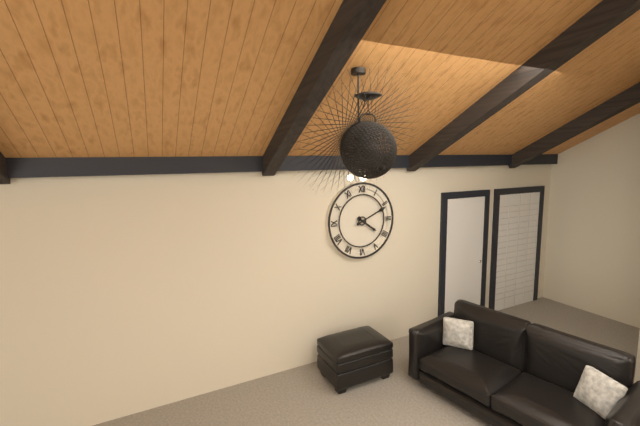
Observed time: 4h11
